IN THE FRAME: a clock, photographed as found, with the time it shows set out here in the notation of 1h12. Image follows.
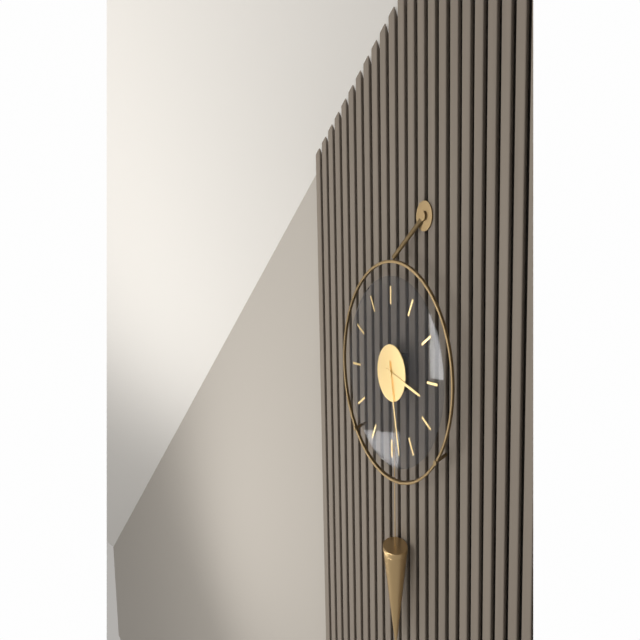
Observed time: 3h28
